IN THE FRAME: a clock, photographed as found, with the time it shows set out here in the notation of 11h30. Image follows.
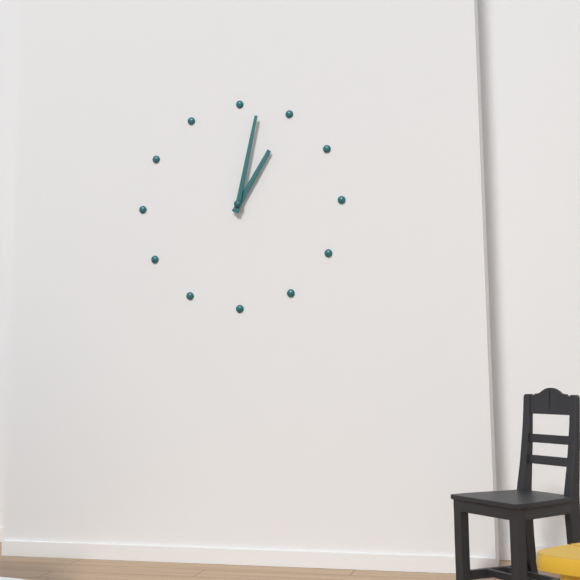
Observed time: 1h02
